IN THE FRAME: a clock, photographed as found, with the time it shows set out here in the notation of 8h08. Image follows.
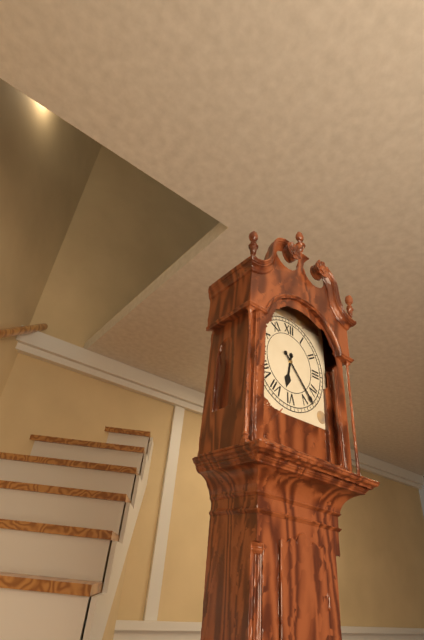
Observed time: 6h23
